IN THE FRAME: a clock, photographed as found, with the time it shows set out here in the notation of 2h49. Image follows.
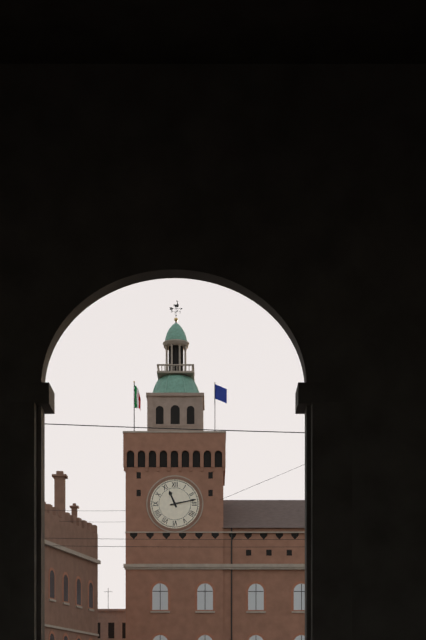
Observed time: 11h13
